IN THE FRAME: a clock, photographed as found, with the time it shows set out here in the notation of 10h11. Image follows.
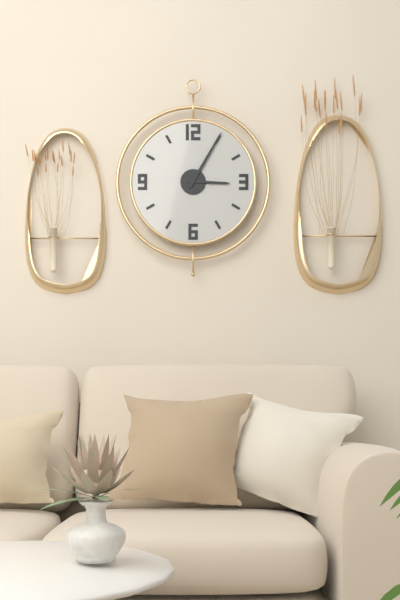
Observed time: 3h05
